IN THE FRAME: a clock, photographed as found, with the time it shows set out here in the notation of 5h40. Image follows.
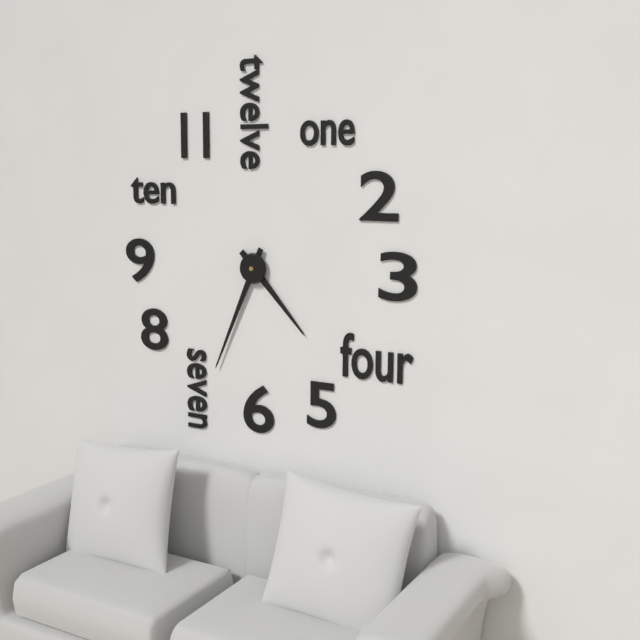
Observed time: 4h34
